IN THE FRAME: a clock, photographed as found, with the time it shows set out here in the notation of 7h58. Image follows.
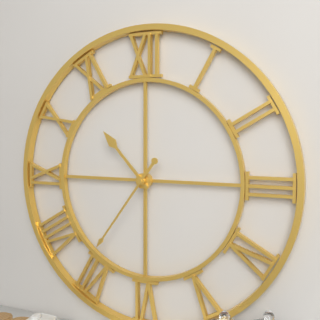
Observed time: 10h36
